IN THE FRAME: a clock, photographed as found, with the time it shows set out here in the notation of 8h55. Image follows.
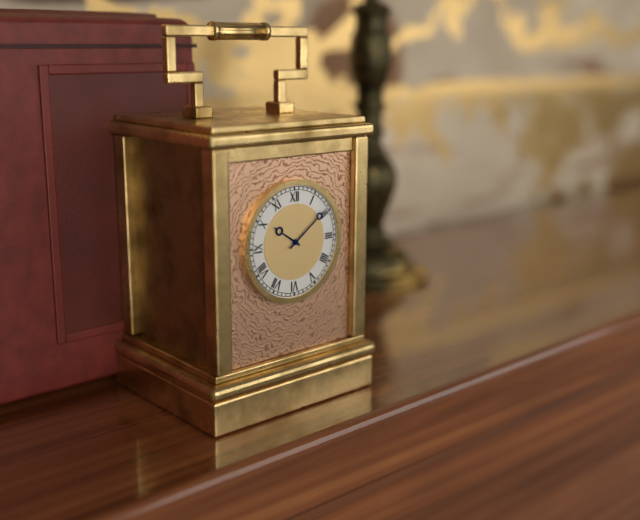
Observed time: 10h09
